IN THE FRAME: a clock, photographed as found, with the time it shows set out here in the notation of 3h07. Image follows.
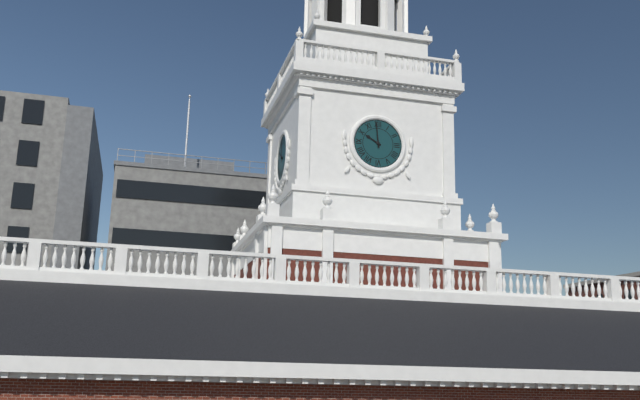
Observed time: 9h59
